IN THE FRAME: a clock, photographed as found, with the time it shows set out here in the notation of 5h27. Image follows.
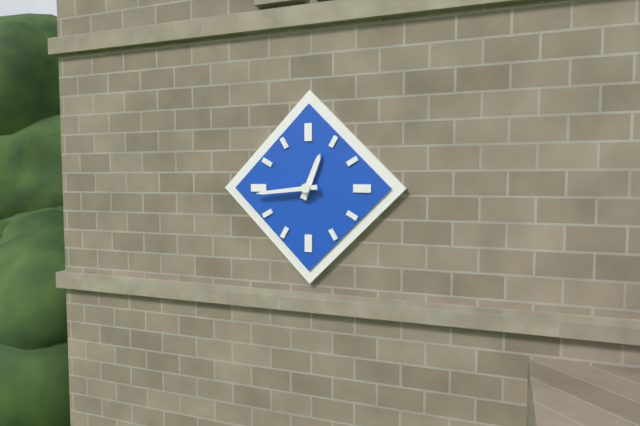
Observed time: 12h44
